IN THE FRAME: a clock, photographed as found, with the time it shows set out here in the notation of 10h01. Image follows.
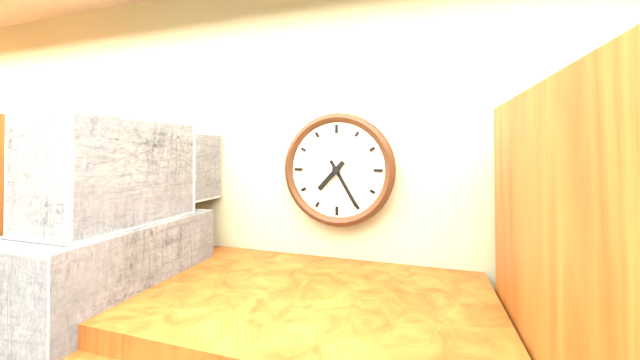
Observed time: 7h25
